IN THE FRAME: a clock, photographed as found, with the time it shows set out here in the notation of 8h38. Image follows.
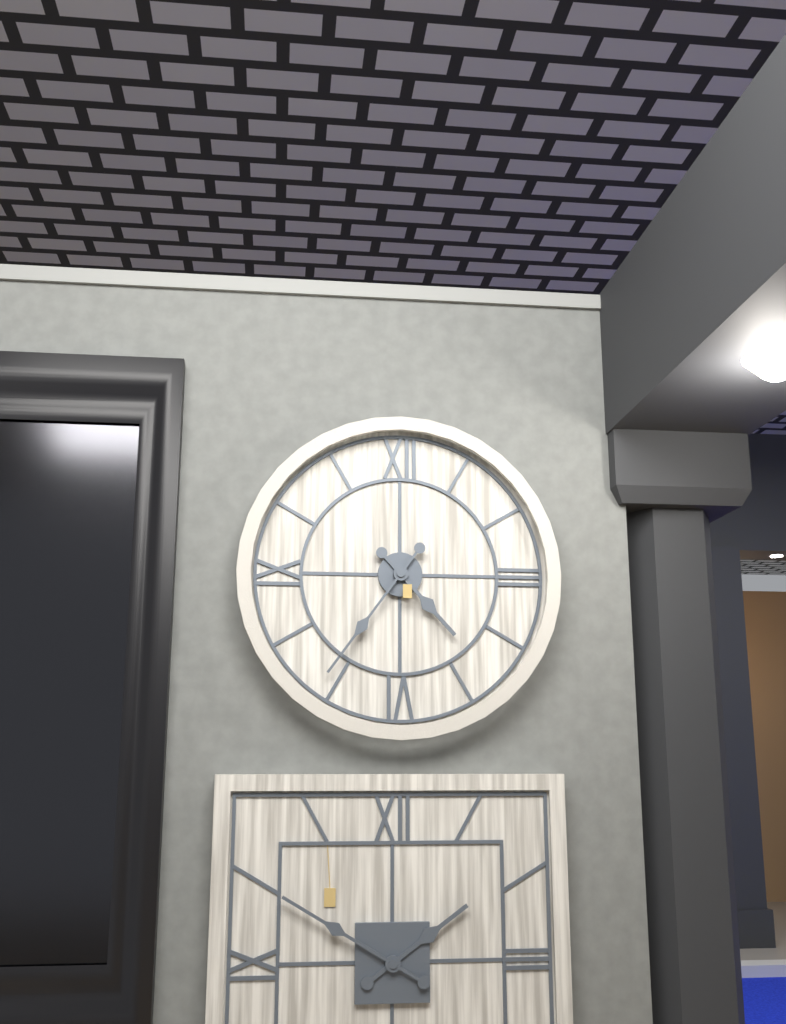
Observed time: 4h36
